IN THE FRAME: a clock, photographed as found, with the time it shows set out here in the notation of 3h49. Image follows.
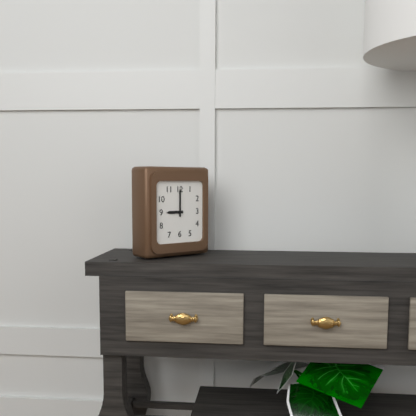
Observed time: 9h00
